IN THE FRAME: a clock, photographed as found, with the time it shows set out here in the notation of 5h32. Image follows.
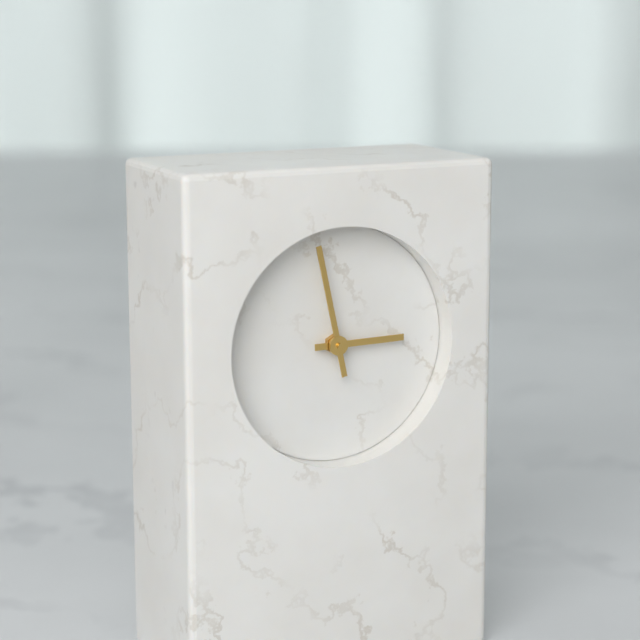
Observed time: 2h58
